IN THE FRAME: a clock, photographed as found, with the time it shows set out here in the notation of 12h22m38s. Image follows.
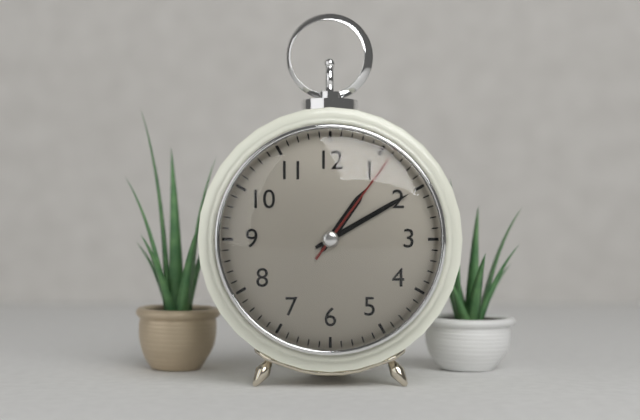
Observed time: 1h10m06s
